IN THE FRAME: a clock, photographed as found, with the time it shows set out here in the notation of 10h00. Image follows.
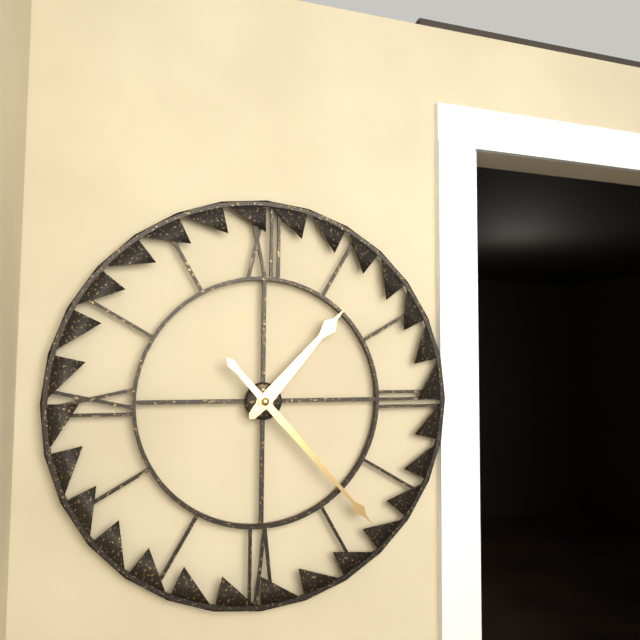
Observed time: 1h23
